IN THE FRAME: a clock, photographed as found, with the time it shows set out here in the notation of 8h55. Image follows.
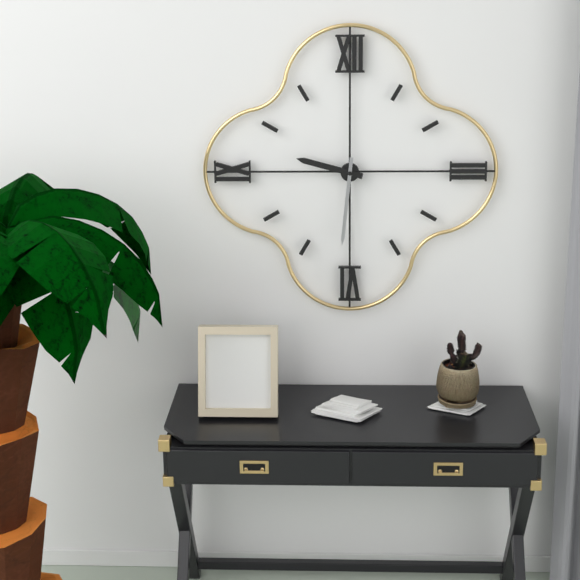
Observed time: 9h31
